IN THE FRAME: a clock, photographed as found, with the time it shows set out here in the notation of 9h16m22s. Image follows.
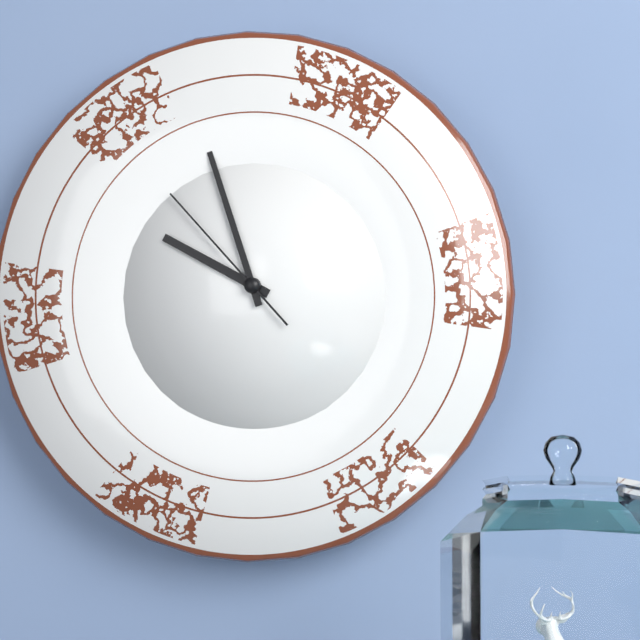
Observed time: 9h57m53s
